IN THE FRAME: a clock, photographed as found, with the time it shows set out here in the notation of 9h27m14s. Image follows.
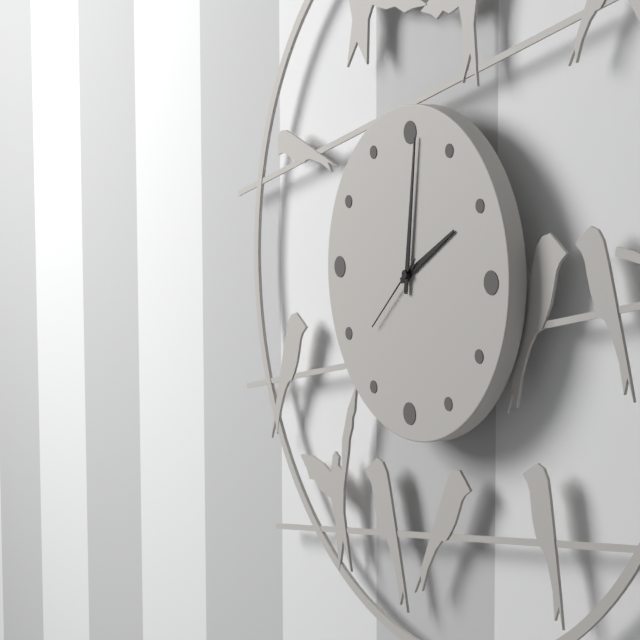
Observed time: 2h01m38s
